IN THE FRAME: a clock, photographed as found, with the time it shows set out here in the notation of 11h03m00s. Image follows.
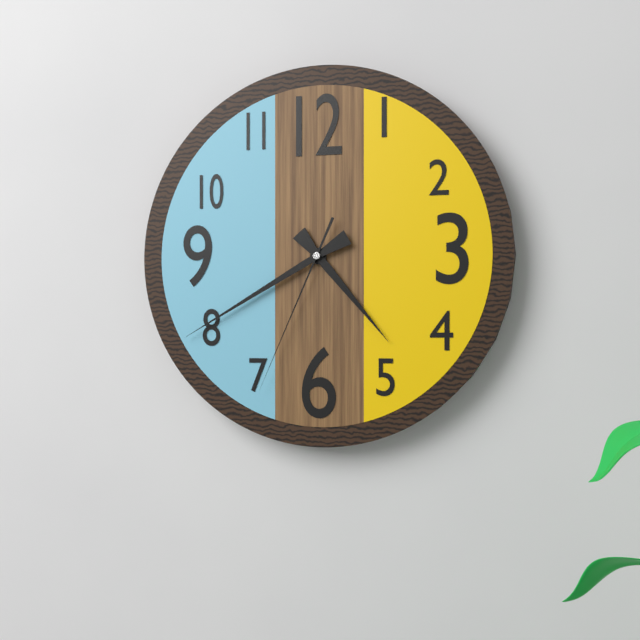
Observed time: 4h40m34s
